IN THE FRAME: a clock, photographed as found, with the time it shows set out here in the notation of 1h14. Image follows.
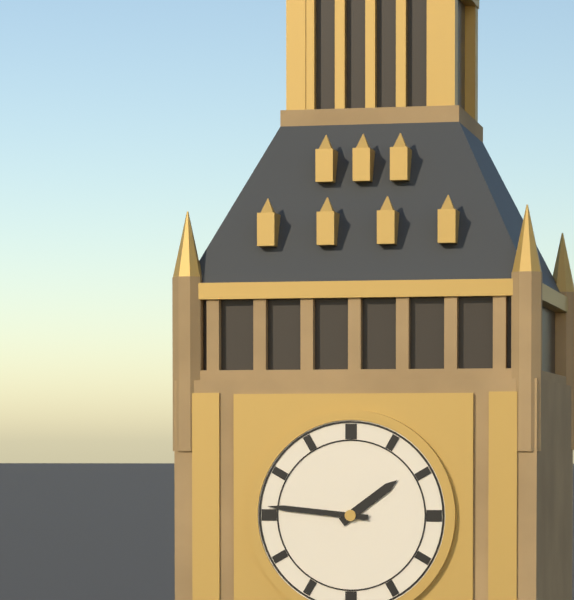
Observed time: 1h46
